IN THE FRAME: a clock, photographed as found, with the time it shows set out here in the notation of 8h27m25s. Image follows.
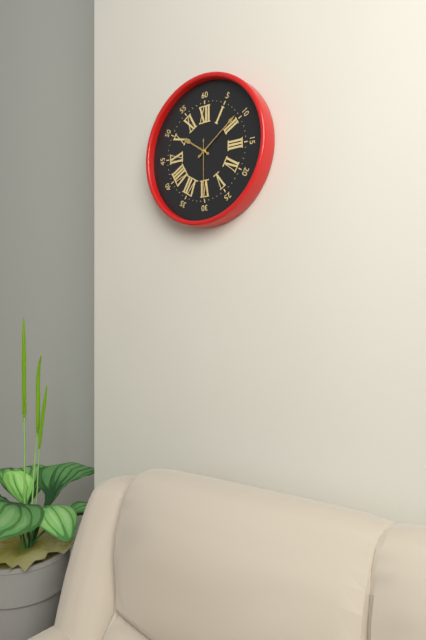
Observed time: 10h09m30s
